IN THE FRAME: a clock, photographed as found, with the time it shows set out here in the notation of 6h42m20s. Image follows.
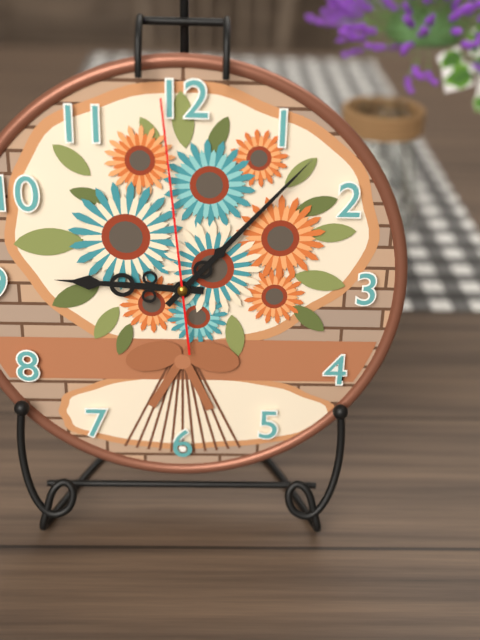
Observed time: 9h07m59s
